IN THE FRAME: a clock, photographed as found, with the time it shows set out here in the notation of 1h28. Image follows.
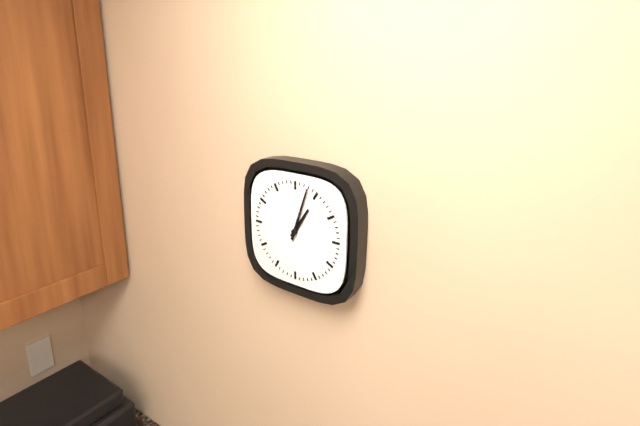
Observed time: 1h03
